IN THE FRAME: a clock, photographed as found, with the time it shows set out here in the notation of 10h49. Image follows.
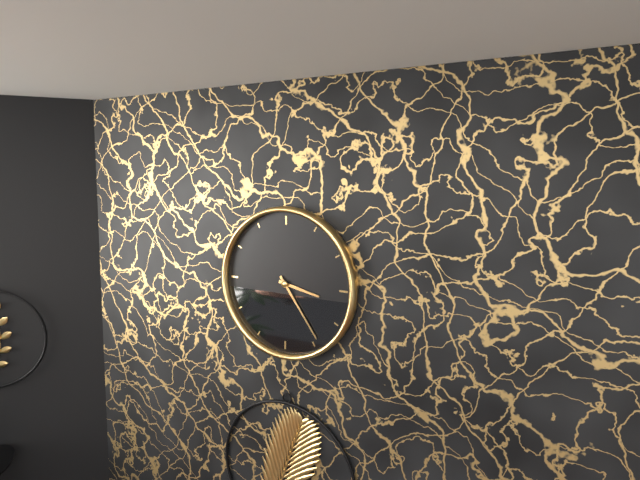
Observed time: 3h24
